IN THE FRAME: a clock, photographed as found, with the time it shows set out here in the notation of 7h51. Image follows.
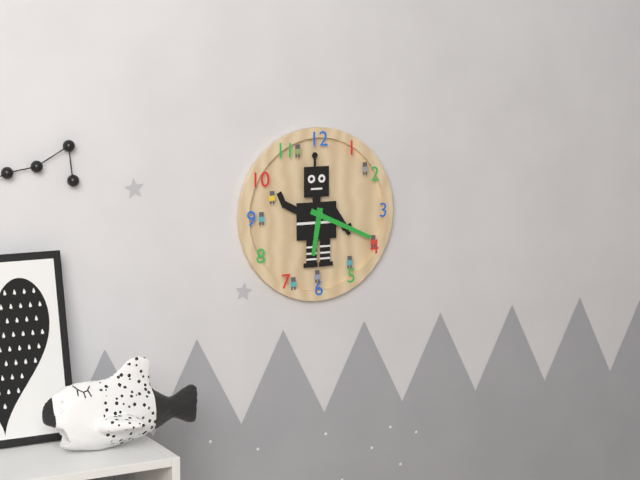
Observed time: 6h19
